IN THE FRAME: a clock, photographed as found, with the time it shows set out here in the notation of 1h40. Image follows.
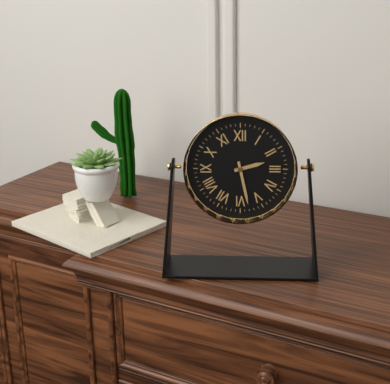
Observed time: 2h28
